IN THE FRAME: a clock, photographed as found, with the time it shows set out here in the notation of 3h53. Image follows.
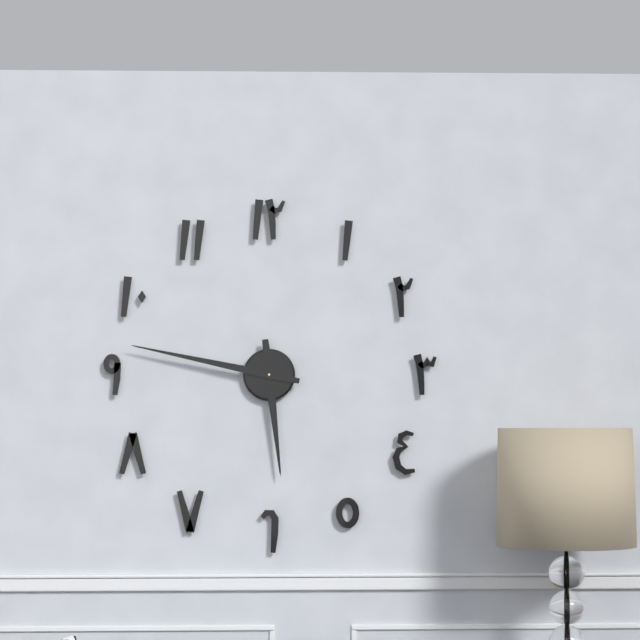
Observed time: 5h47
